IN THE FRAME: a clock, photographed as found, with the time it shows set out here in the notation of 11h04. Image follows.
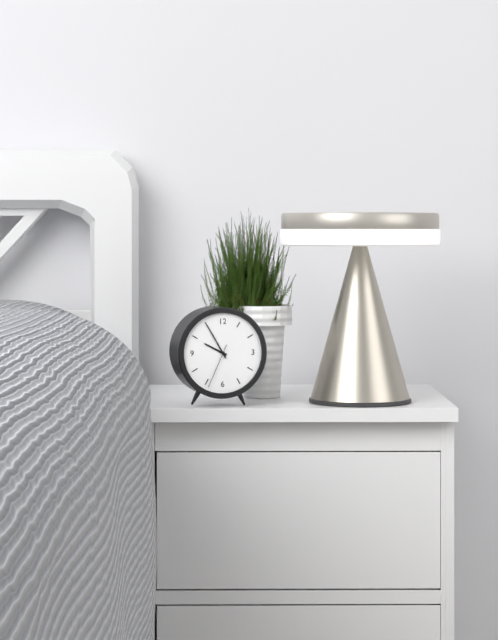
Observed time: 9h55
